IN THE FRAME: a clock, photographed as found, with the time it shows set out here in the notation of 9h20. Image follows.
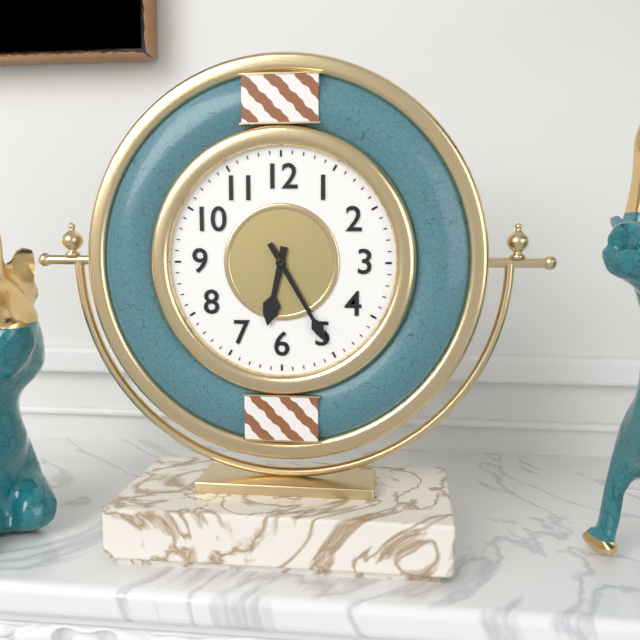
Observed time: 6h25
